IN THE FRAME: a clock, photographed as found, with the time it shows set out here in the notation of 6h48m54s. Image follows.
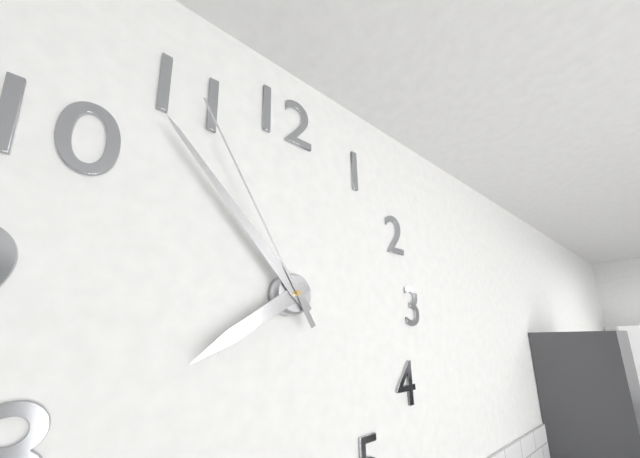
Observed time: 7h53m55s
